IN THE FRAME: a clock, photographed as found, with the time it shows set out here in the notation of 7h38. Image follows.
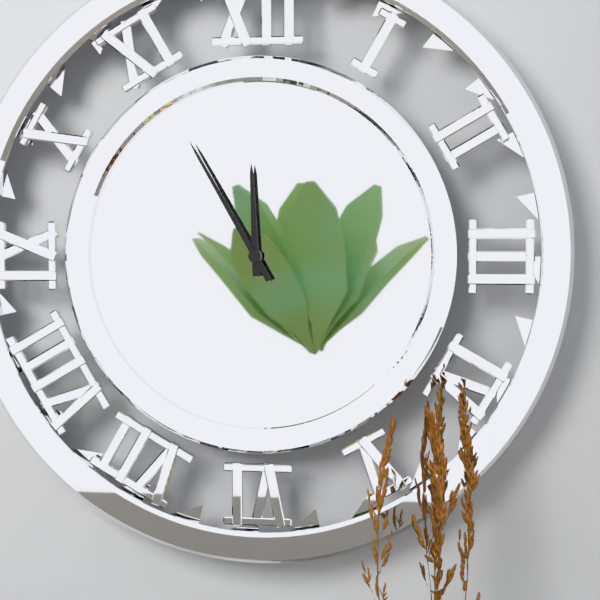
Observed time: 11h55
